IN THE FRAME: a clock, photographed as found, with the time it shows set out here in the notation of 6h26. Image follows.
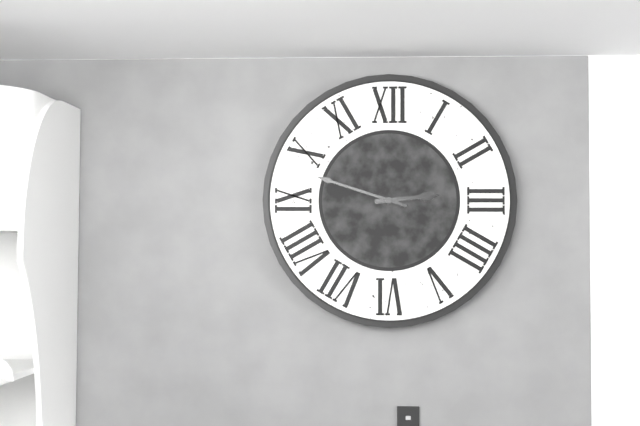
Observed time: 2h48
